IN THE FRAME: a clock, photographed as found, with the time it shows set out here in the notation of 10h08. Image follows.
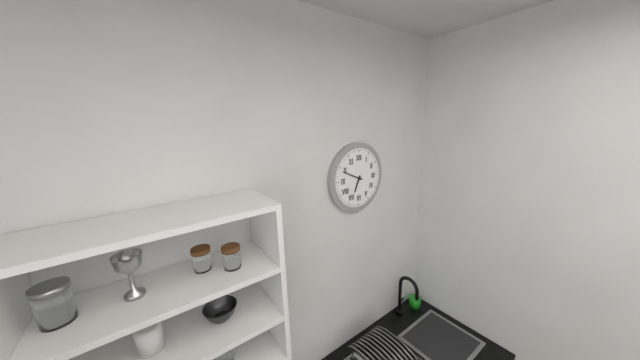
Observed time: 6h49
